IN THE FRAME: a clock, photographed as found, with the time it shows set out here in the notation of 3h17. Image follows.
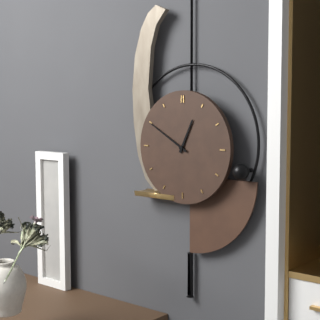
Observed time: 12h50
